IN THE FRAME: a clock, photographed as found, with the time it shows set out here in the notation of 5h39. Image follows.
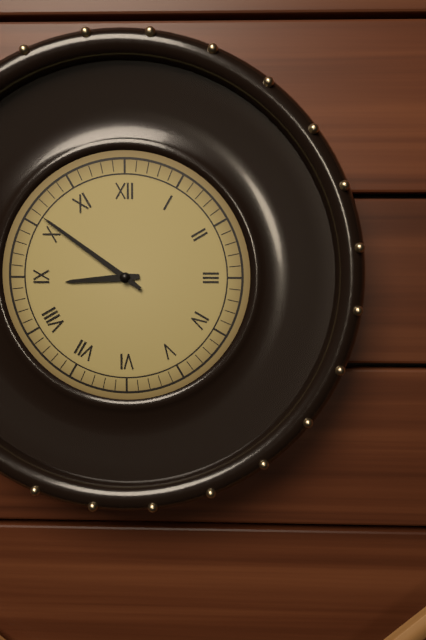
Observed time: 8h51
